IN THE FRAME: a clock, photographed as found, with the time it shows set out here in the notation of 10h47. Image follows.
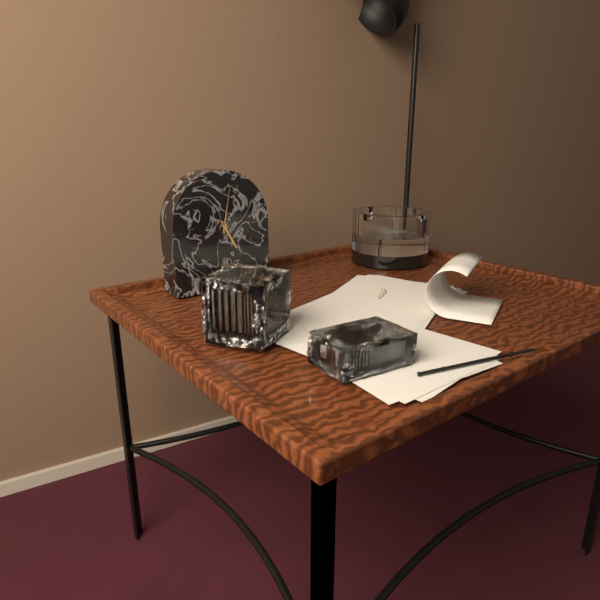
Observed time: 5h02
